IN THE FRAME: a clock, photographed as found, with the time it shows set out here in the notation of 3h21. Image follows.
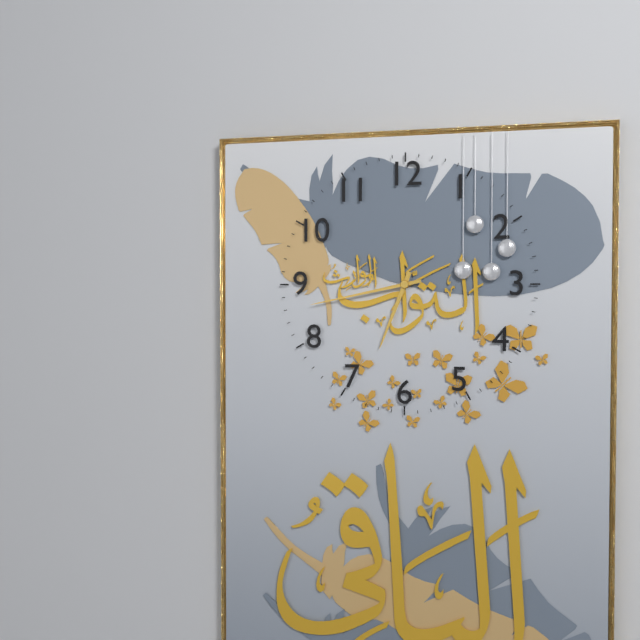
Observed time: 6h43
